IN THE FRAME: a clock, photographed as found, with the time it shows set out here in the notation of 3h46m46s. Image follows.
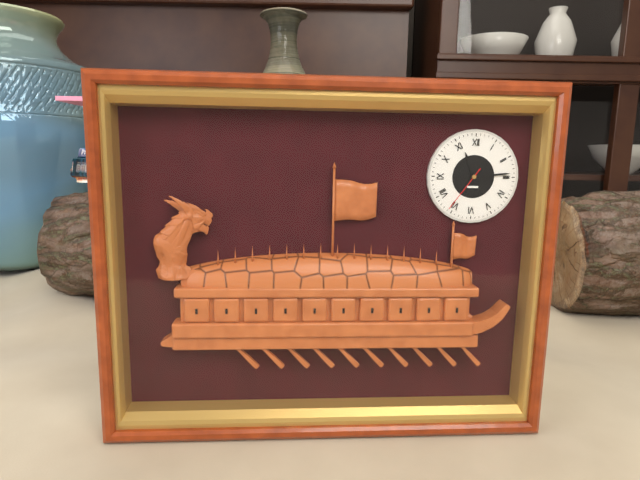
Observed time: 11h14m36s
